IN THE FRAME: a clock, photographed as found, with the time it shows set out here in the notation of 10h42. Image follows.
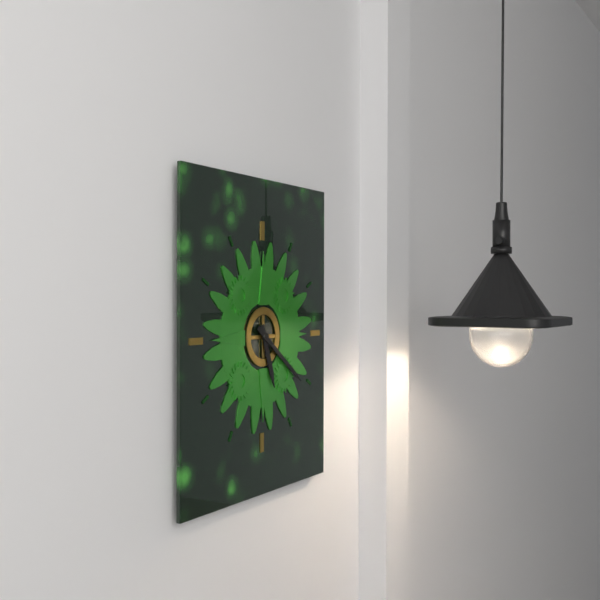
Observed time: 5h21
